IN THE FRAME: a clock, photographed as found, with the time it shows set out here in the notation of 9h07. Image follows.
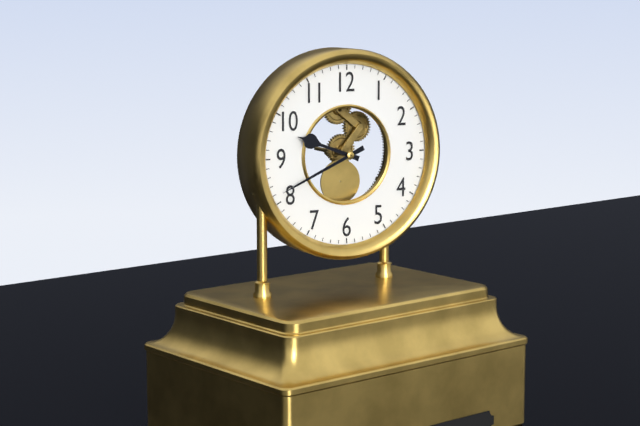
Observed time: 9h41
